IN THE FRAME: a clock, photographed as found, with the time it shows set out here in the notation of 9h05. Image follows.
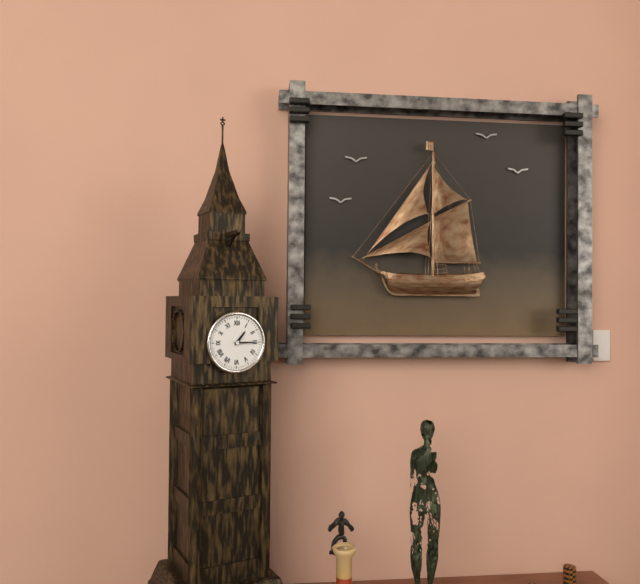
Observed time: 1h15
